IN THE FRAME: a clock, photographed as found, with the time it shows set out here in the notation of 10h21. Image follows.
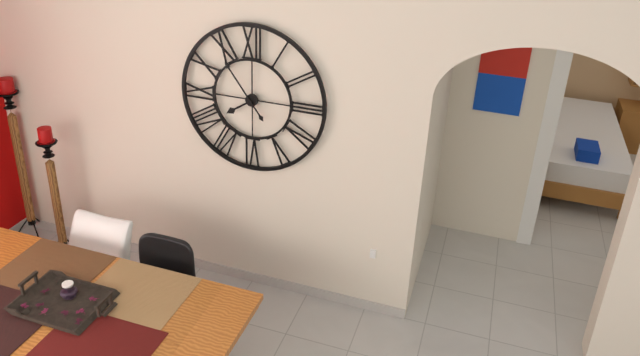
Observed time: 7h54
